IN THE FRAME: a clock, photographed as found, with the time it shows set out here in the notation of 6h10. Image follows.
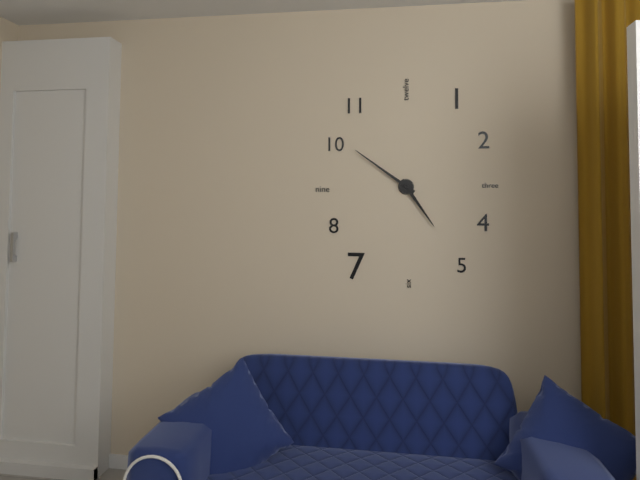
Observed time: 4h51
